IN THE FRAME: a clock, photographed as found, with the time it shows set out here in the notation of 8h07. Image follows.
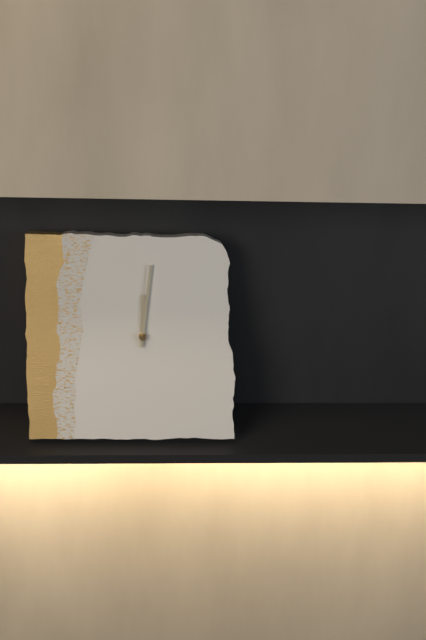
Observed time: 12h01
